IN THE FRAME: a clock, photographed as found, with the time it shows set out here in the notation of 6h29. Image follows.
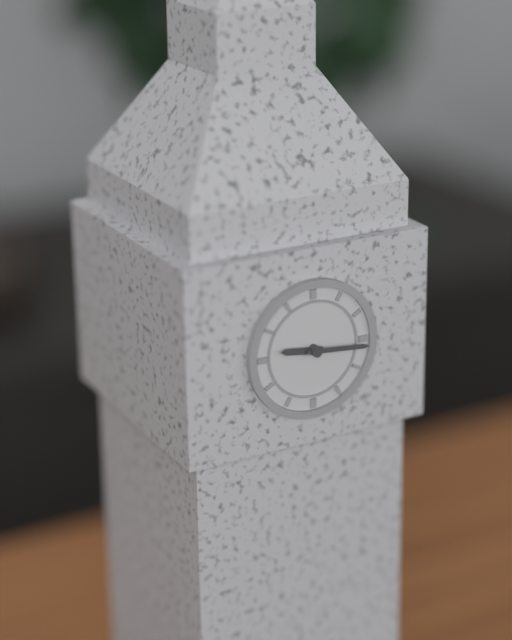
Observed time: 9h16
